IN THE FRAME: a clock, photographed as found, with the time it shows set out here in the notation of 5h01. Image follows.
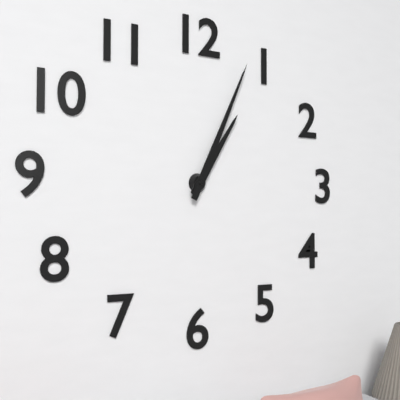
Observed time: 1h04
